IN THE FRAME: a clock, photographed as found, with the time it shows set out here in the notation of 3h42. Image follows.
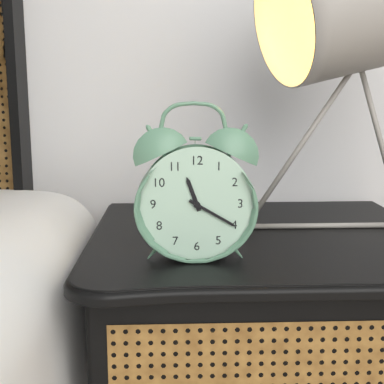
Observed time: 11h20
